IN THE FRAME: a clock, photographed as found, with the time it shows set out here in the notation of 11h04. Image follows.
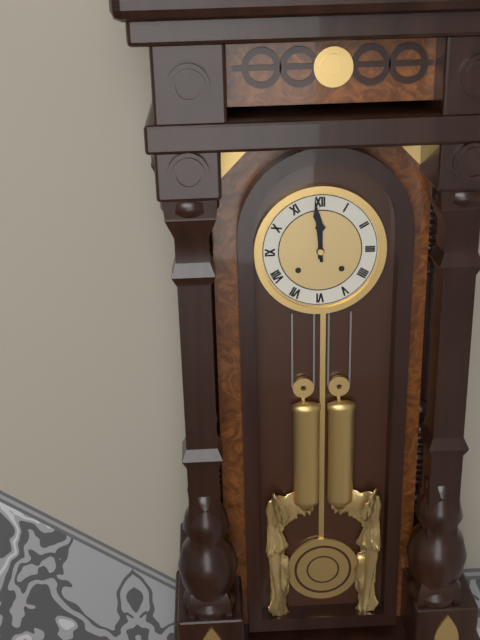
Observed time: 11h59
